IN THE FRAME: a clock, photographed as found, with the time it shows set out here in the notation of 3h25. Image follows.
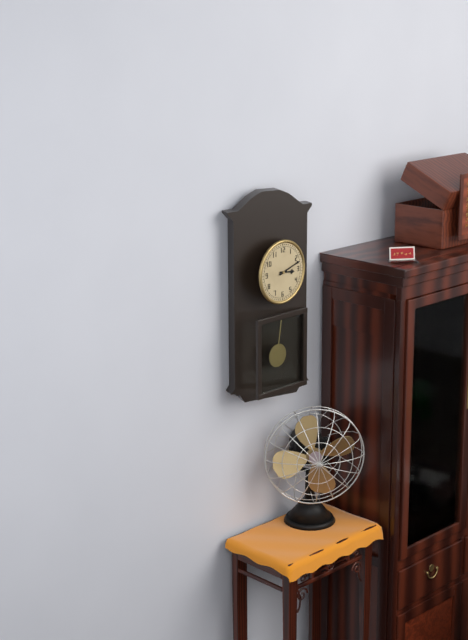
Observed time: 3h12
